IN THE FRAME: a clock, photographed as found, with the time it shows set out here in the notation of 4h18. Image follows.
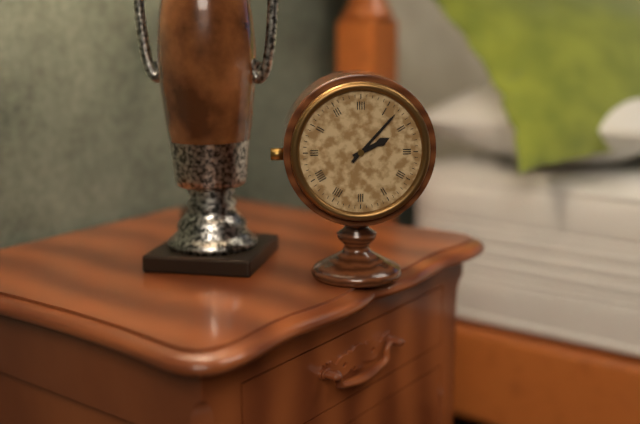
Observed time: 2h07
